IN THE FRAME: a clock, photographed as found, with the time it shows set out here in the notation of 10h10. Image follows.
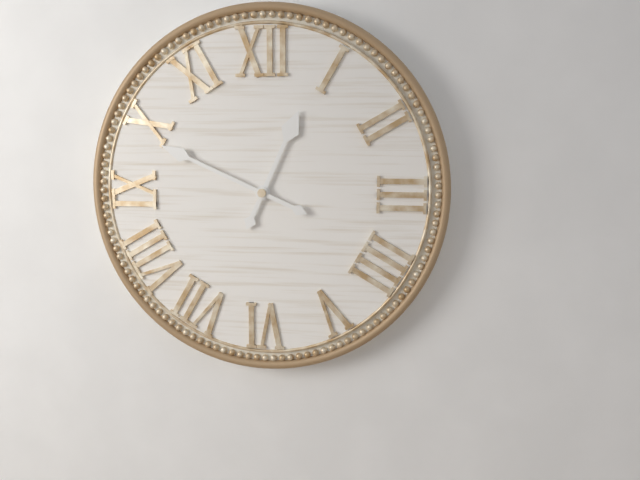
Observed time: 12h49
